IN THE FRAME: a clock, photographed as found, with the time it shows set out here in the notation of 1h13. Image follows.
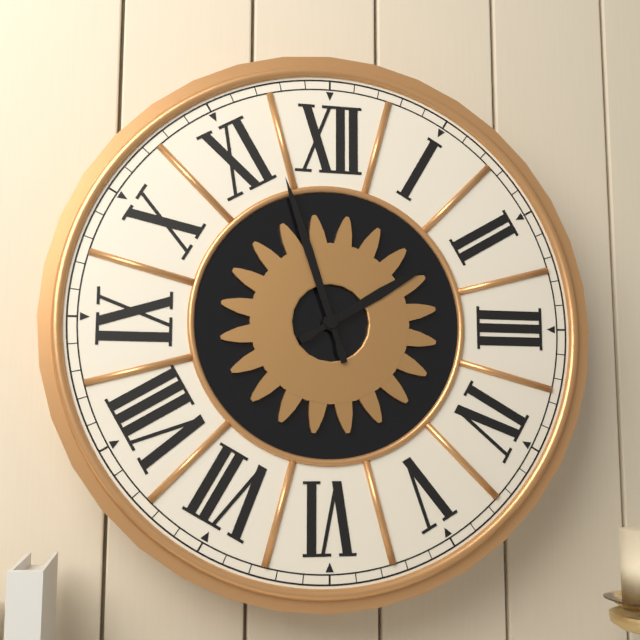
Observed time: 1h57
